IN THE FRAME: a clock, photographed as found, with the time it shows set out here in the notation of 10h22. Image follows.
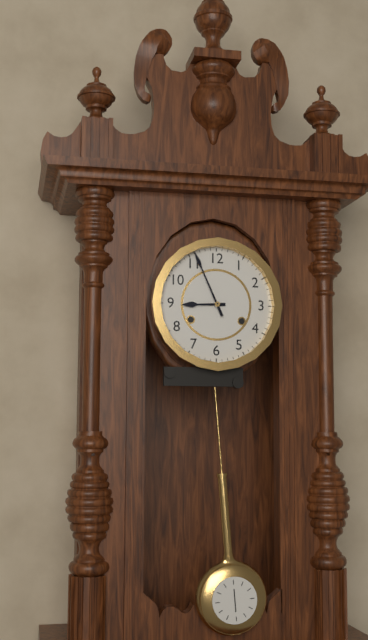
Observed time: 8h56
